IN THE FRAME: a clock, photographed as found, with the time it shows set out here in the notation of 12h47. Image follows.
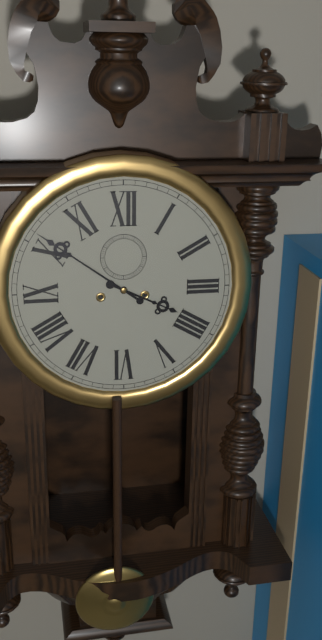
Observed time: 3h51
